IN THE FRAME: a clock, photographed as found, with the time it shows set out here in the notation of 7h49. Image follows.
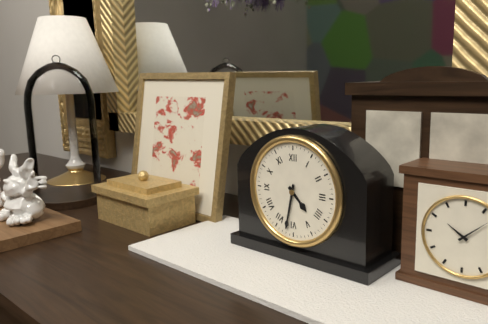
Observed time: 4h32
